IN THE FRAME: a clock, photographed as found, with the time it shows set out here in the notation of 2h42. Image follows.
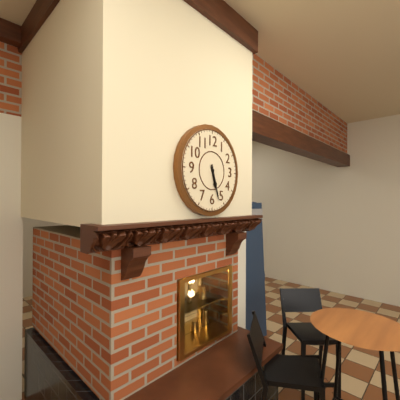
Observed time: 5h27
